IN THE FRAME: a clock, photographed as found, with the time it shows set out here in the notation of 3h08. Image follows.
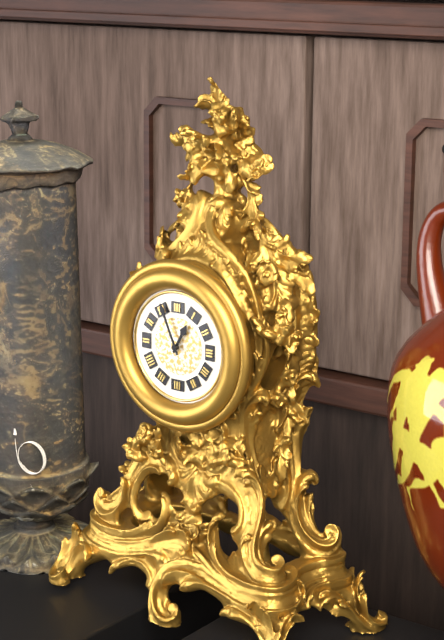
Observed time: 12h56
